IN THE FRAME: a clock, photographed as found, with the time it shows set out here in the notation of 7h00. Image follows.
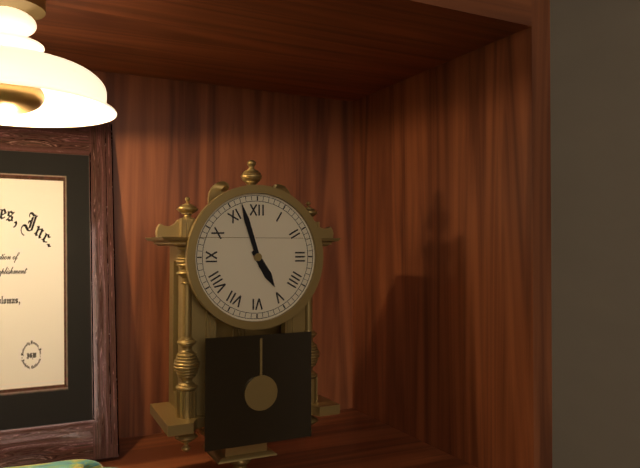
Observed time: 4h57
